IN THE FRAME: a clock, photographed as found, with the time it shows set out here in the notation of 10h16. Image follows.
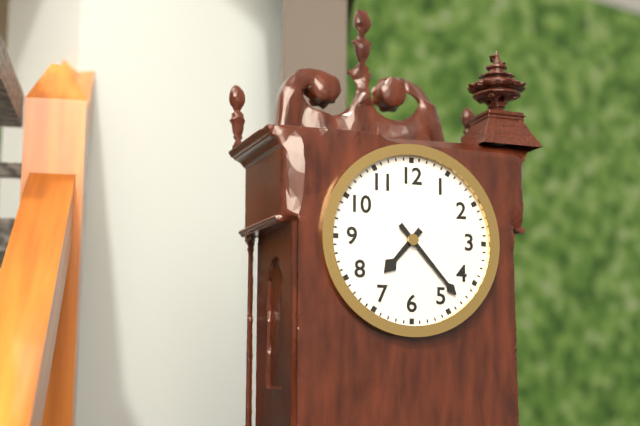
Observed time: 7h23
